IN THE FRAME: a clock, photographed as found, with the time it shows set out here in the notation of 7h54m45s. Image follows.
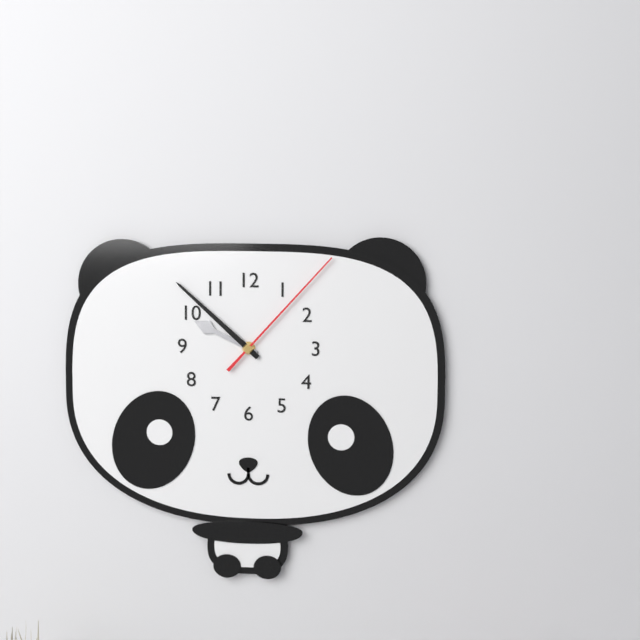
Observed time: 9h52m07s
